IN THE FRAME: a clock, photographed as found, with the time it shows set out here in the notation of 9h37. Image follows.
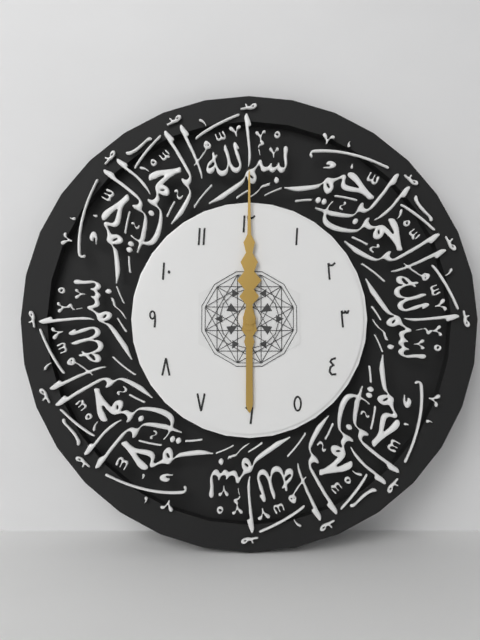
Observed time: 6h00
